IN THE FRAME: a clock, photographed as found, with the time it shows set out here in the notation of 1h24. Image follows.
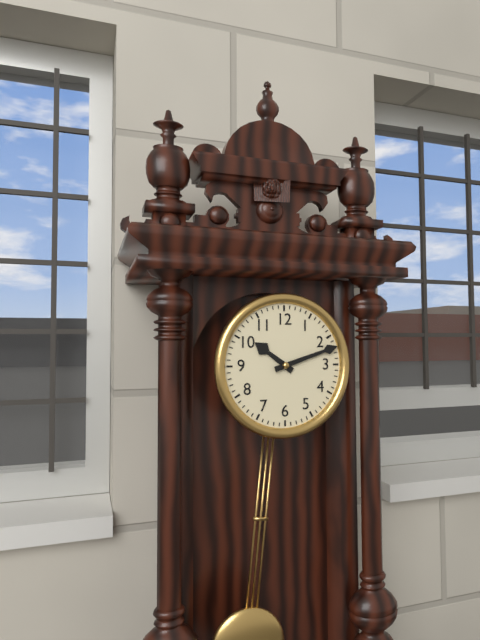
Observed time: 10h12
